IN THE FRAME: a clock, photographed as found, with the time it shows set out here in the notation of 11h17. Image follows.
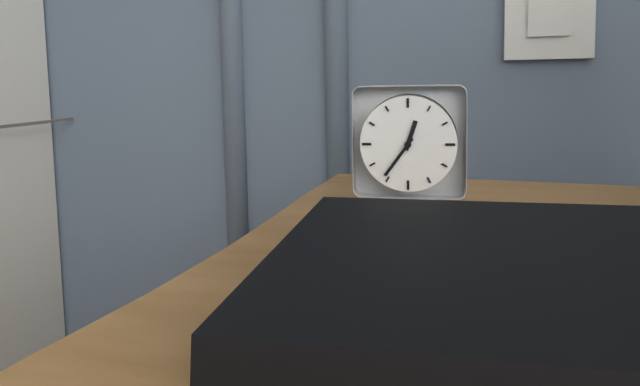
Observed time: 12h36
